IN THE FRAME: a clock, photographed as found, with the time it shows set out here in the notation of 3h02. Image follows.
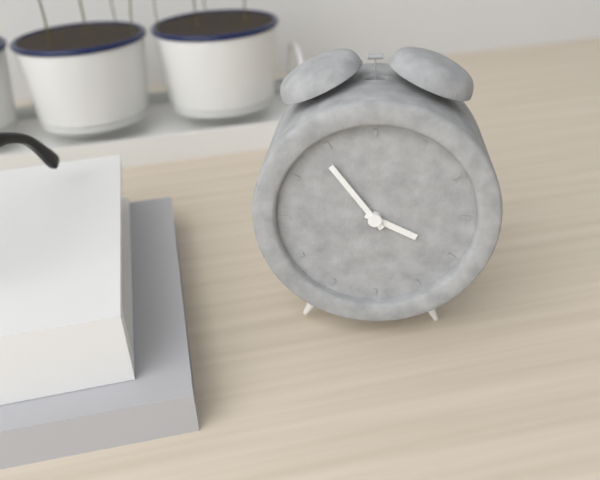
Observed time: 3h54
